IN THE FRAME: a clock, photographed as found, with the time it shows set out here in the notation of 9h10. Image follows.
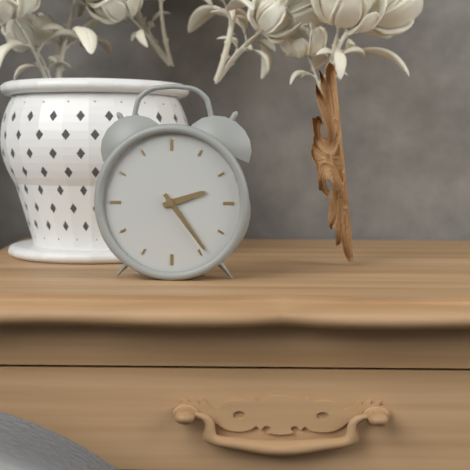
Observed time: 2h24
